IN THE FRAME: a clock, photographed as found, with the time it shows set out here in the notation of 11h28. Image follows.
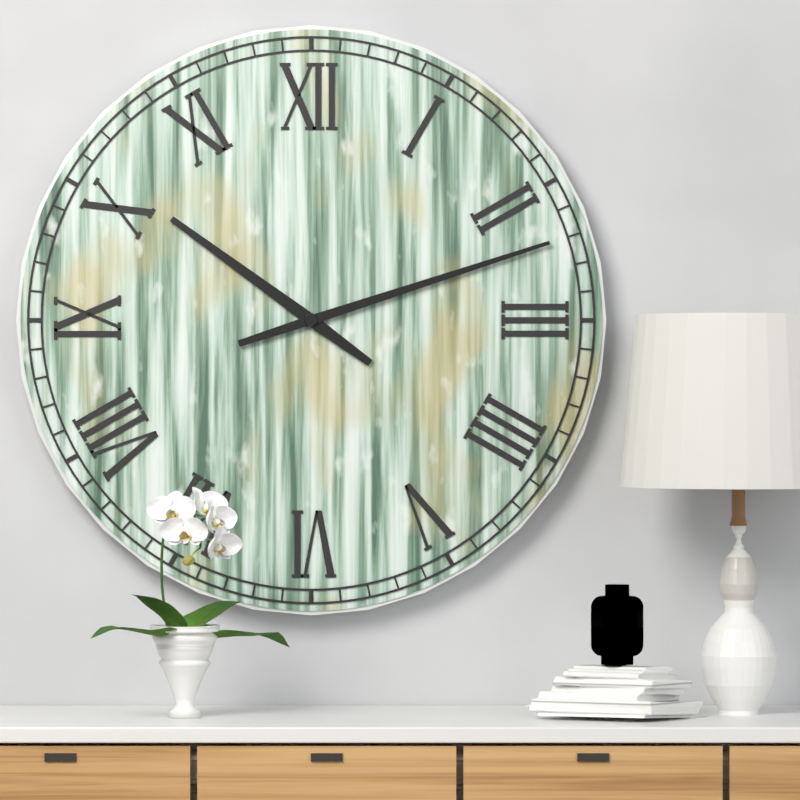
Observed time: 10h12
